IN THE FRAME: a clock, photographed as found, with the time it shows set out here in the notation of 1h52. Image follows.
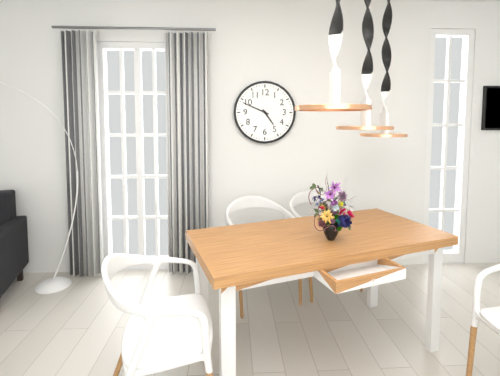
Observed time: 4h49
